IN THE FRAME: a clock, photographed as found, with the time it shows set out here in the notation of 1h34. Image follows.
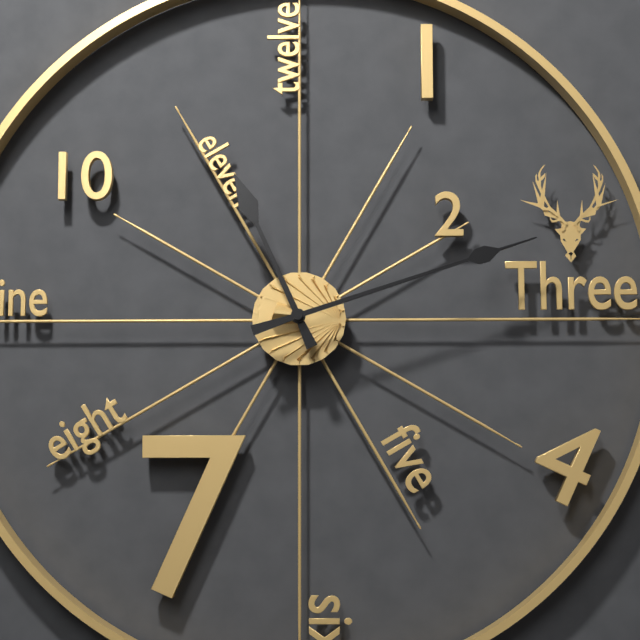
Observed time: 11h12
